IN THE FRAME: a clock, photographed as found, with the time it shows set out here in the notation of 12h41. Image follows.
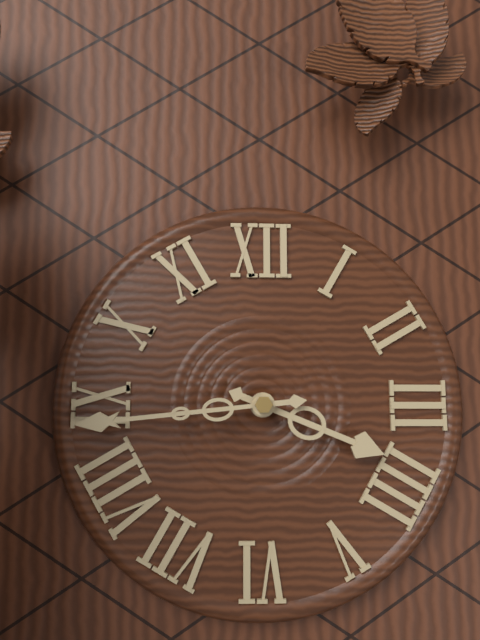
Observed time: 3h44
